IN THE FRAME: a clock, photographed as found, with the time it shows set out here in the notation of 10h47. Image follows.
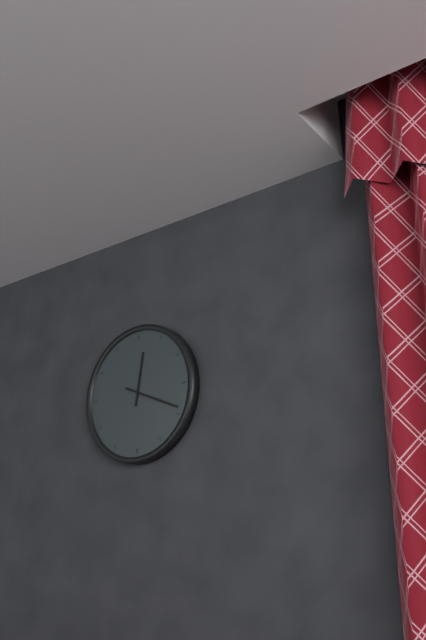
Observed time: 12h19
